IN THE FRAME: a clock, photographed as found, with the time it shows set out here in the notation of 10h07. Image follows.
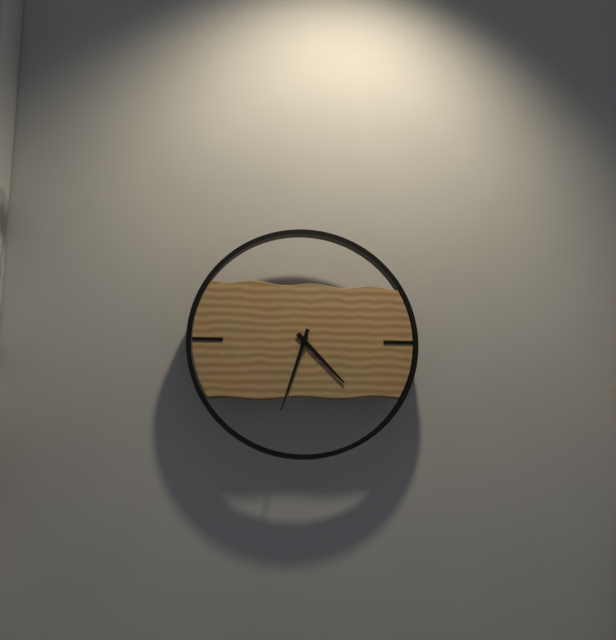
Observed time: 4h33
